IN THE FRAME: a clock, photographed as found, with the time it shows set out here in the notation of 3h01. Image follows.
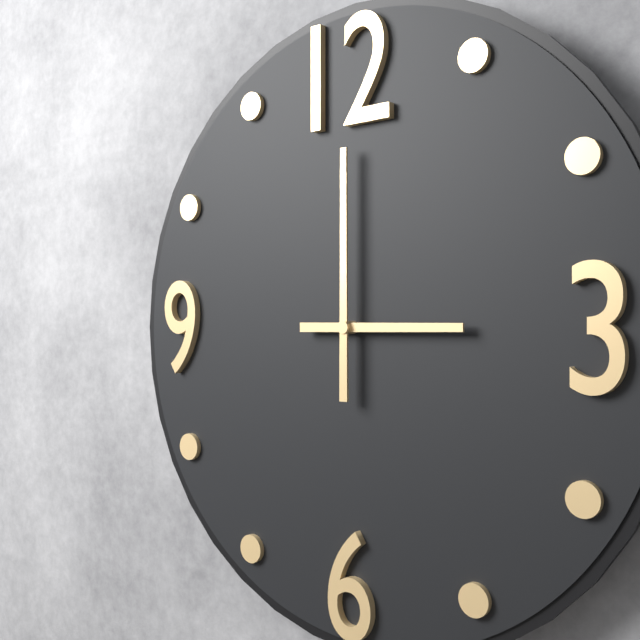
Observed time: 3h00
